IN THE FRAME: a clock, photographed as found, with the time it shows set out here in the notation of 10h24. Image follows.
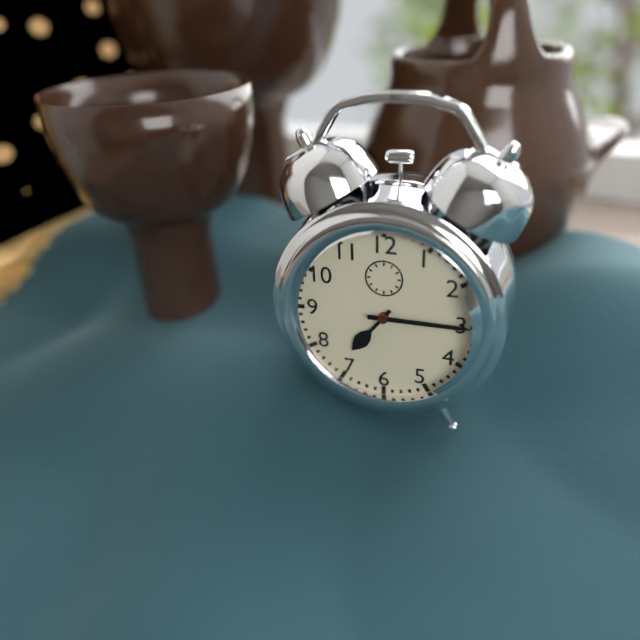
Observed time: 7h15
